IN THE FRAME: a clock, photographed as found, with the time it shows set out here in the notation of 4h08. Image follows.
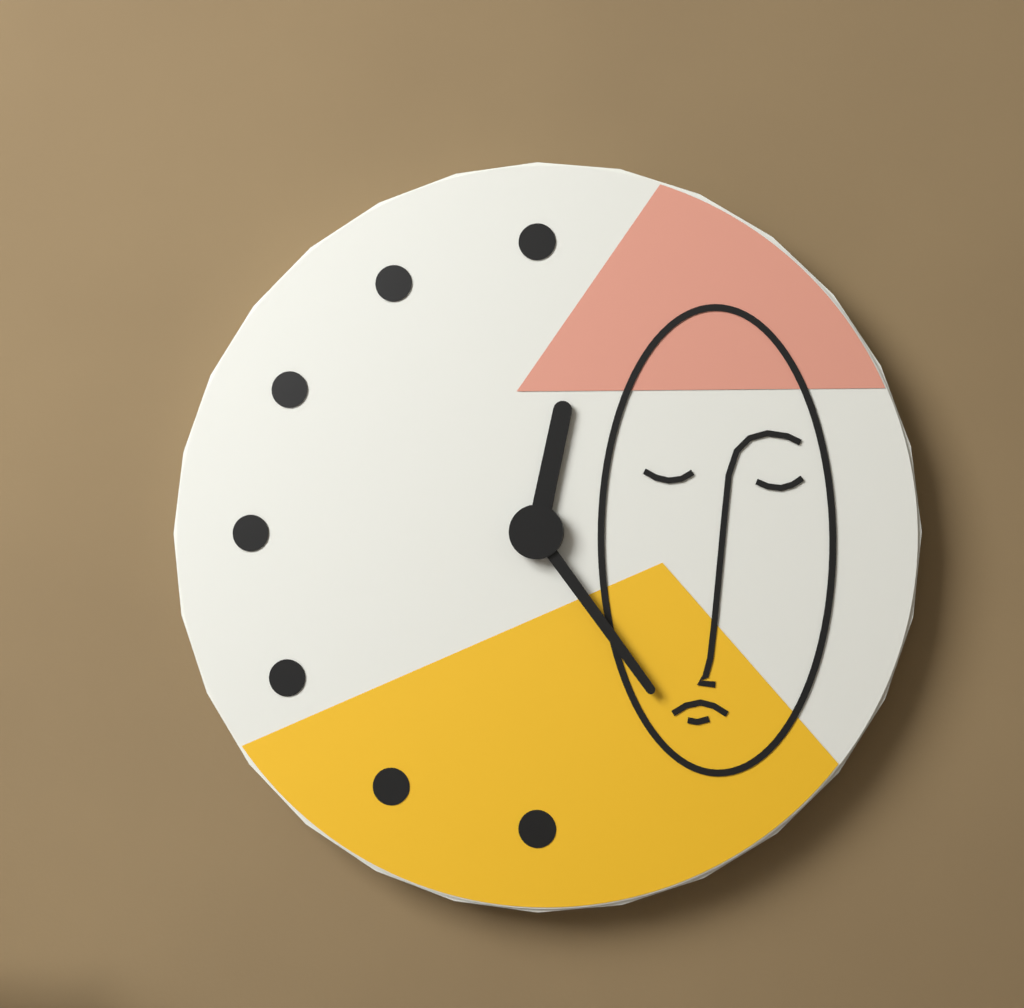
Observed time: 12h24
